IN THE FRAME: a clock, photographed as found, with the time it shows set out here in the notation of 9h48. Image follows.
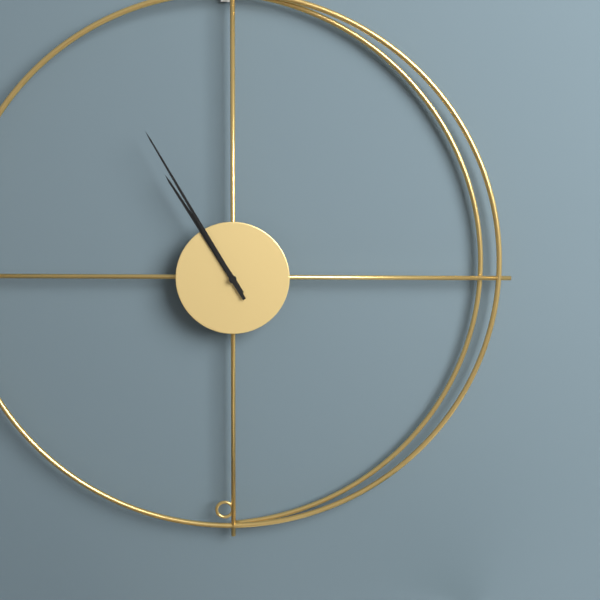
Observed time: 10h55
